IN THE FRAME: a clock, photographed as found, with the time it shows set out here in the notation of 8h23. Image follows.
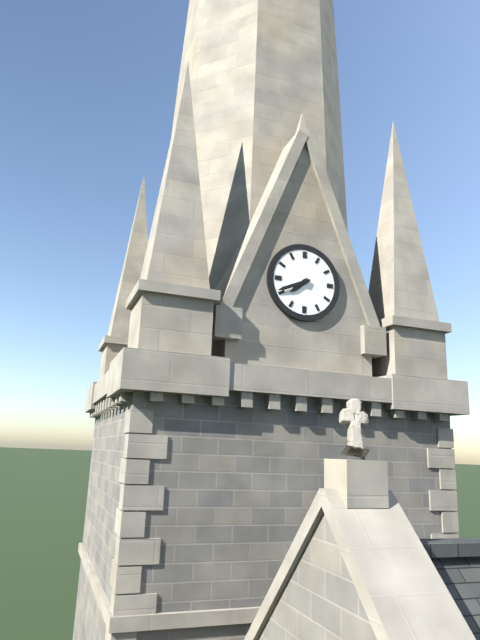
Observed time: 7h41
